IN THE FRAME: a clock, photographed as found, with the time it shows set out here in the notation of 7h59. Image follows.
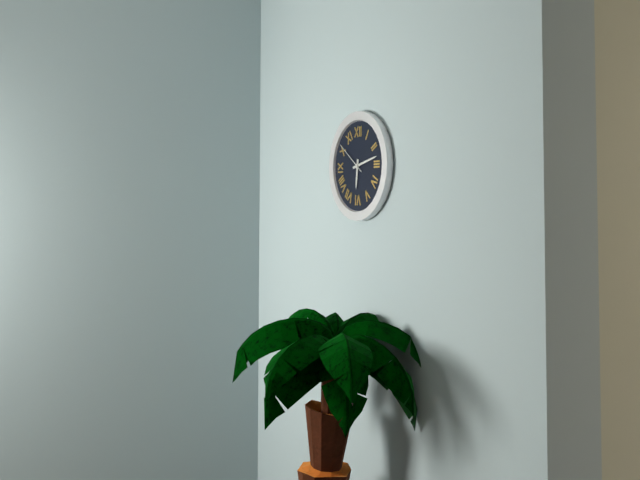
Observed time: 6h13
